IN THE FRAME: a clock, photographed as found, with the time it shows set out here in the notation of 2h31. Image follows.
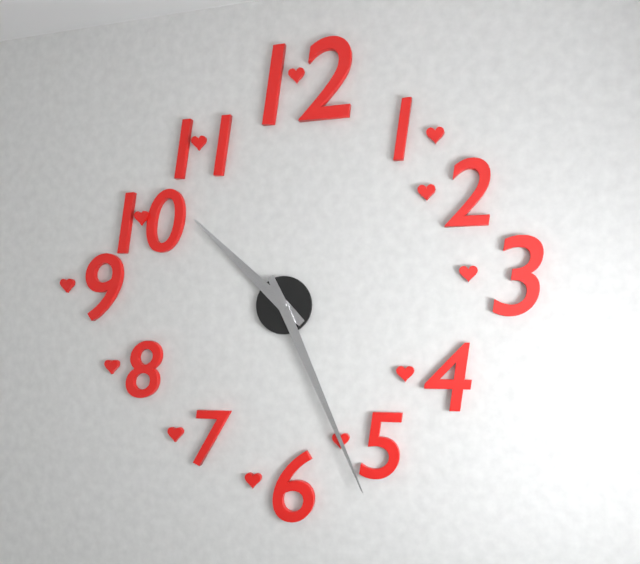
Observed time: 10h26
